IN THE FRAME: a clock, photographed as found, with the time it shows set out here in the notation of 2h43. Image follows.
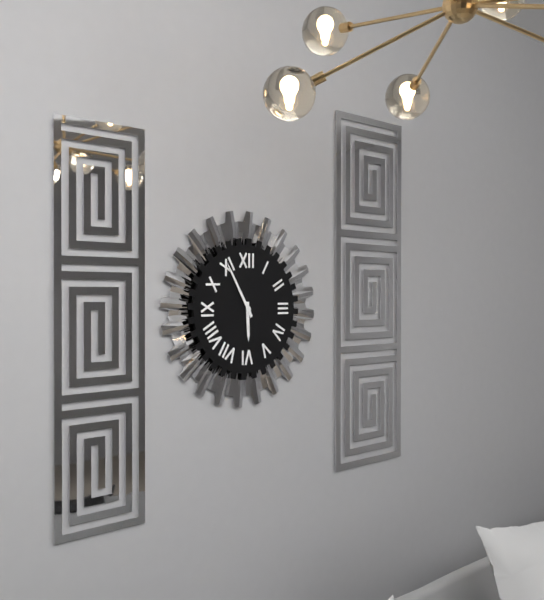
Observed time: 5h55
